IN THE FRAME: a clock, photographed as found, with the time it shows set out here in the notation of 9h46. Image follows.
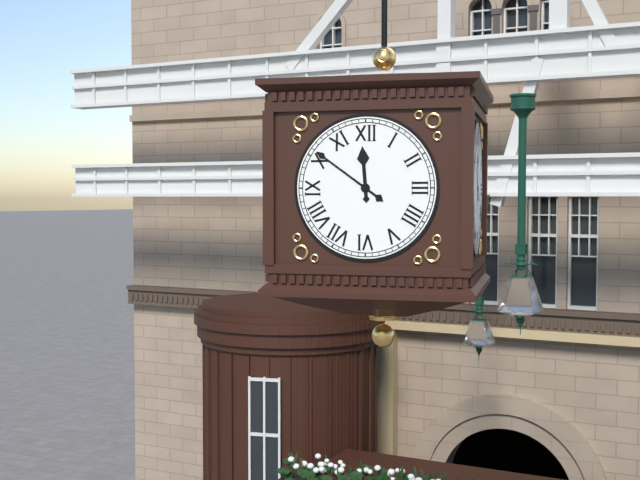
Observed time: 11h51
